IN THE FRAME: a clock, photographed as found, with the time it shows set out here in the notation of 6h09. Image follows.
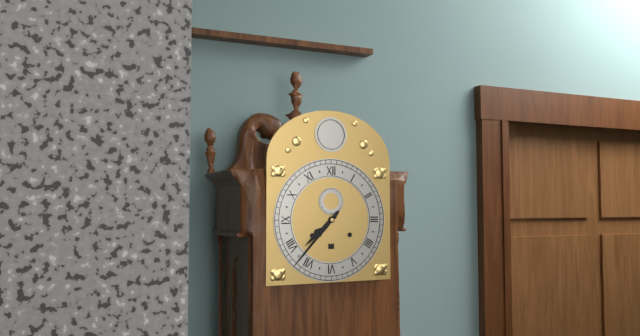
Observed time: 7h37
